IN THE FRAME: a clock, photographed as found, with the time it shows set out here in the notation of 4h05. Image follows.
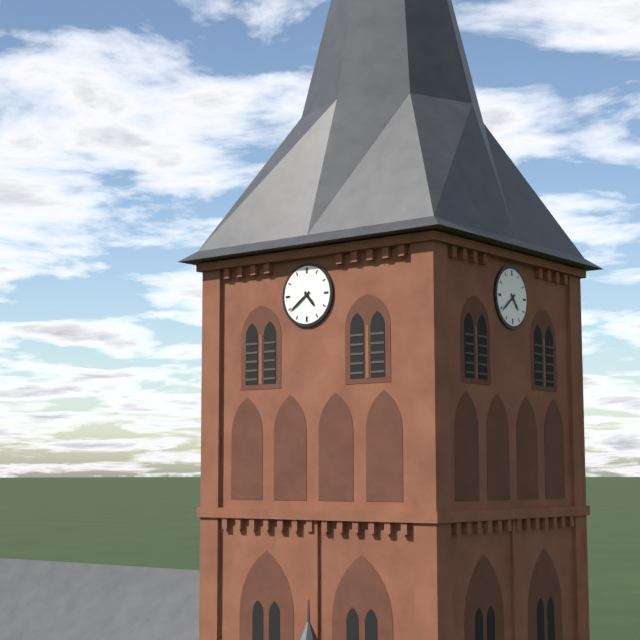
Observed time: 4h39
